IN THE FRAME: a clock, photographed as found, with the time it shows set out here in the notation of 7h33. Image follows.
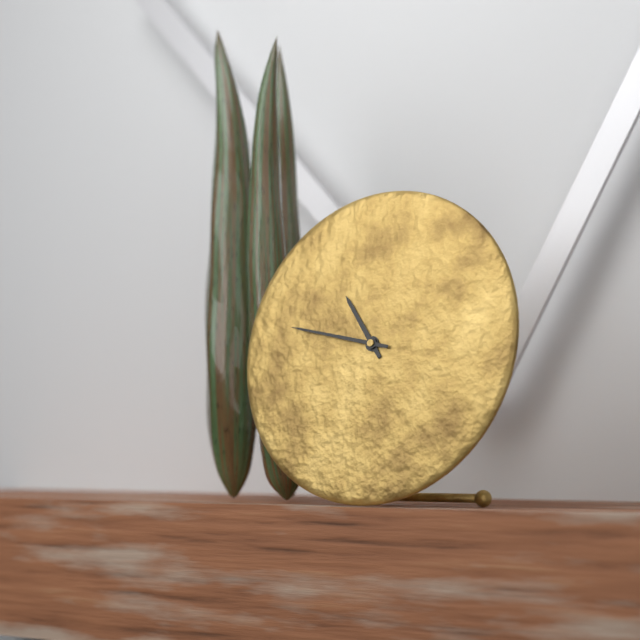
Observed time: 10h47
